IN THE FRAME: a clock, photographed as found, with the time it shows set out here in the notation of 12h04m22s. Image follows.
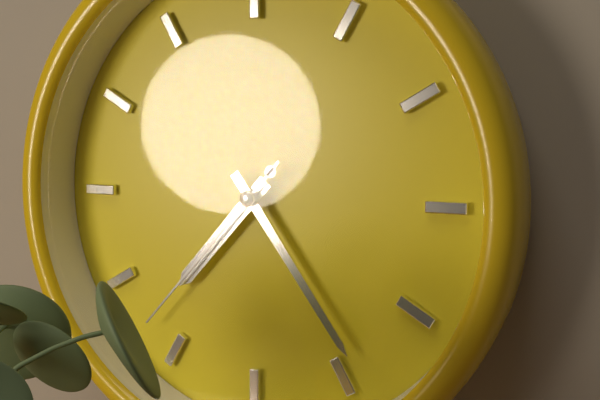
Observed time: 7h24m37s
